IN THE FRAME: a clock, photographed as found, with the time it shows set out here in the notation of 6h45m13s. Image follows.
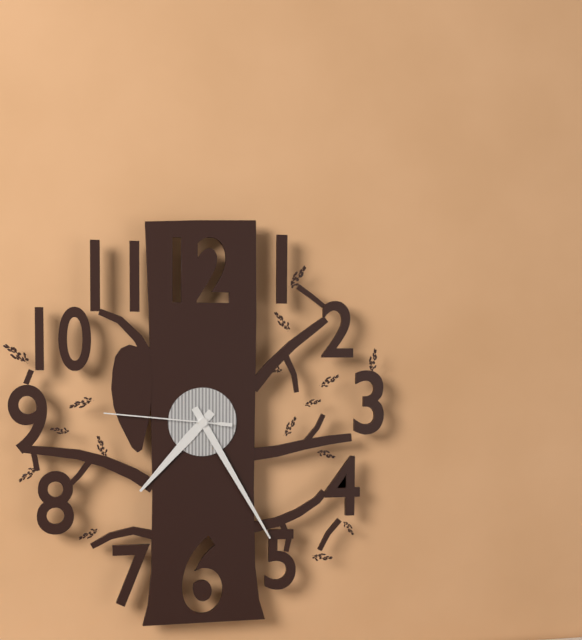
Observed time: 7h25m46s
